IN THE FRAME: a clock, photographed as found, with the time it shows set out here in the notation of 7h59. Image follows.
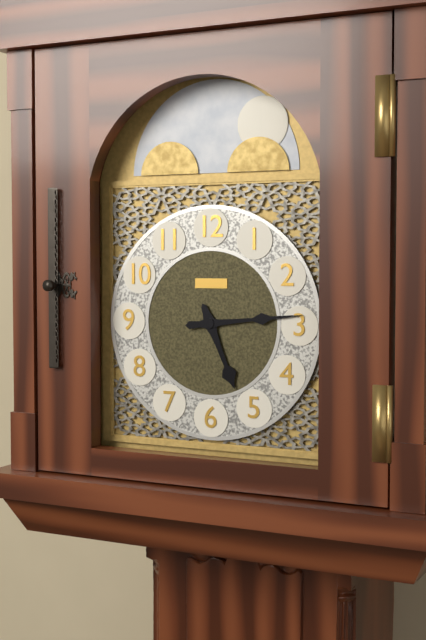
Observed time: 5h14
